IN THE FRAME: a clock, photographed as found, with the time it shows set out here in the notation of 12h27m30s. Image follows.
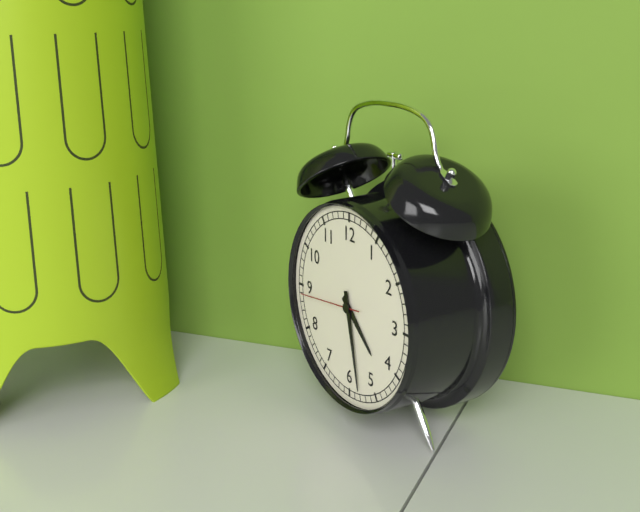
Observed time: 4h28m44s
